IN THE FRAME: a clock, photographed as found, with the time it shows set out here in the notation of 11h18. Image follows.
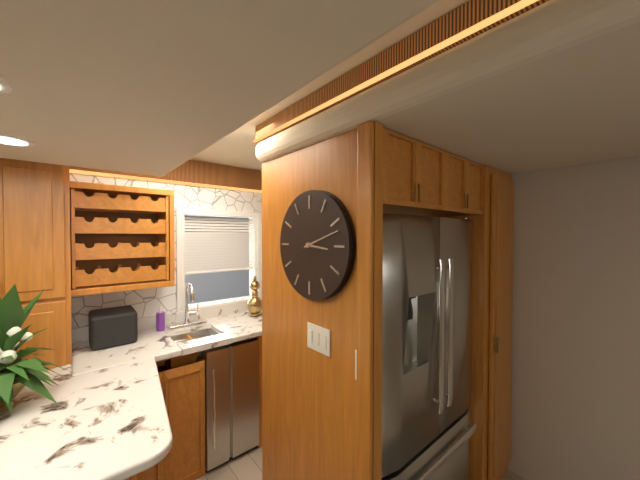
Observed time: 3h12
